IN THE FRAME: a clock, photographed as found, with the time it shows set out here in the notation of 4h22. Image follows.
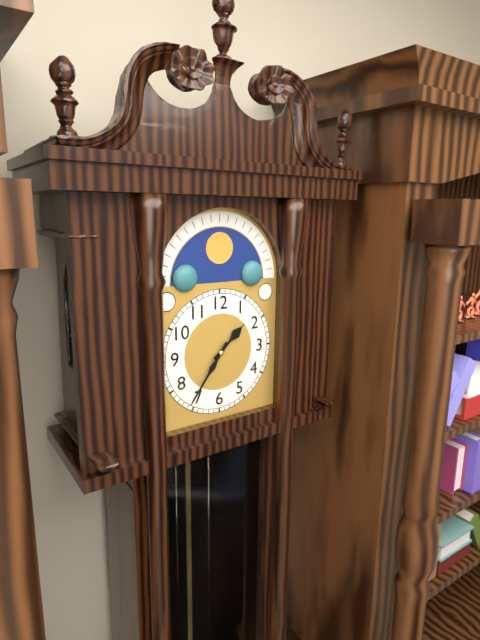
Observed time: 1h36
